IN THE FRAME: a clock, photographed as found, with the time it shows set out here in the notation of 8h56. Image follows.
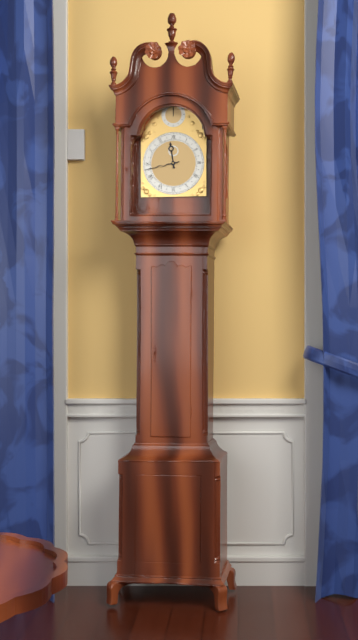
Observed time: 11h43
